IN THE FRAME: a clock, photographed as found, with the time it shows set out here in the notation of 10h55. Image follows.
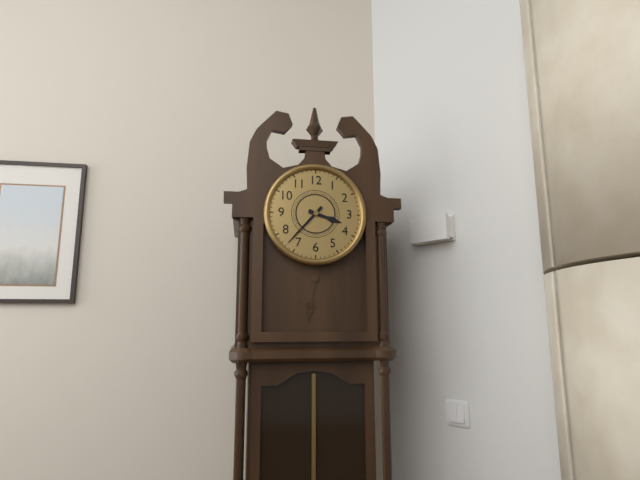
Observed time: 3h37
